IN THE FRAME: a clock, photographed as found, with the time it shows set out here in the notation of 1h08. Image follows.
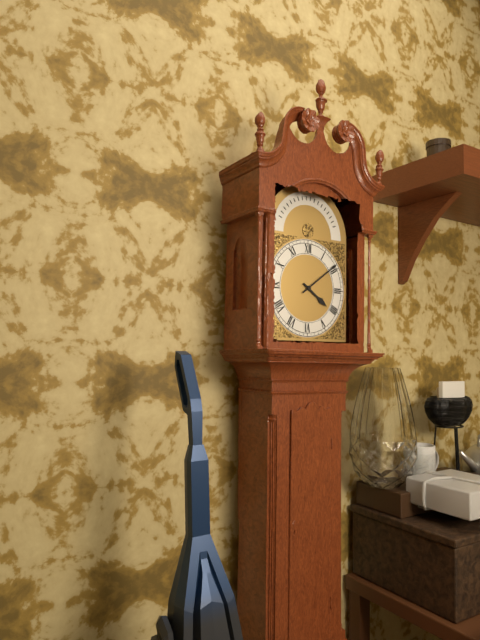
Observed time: 4h09
